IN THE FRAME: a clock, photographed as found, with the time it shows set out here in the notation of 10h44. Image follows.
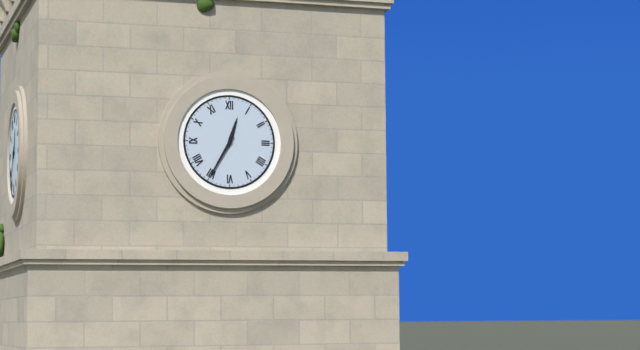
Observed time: 12h35
